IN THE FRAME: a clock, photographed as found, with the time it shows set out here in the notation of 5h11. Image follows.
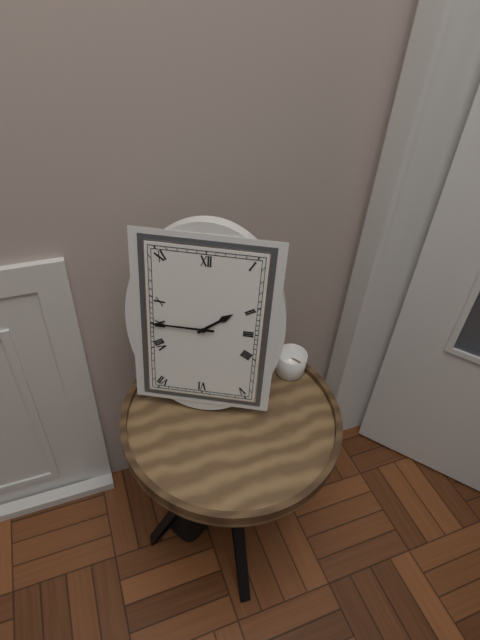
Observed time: 1h45
